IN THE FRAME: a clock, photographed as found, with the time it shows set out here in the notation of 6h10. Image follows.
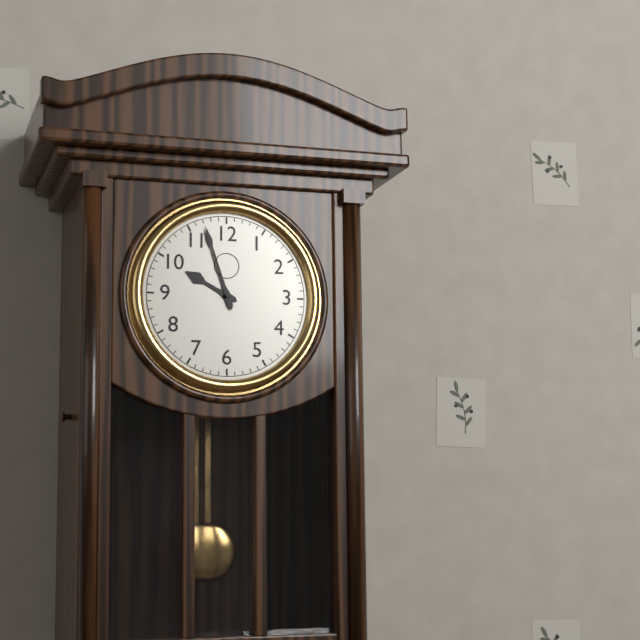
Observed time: 9h57
